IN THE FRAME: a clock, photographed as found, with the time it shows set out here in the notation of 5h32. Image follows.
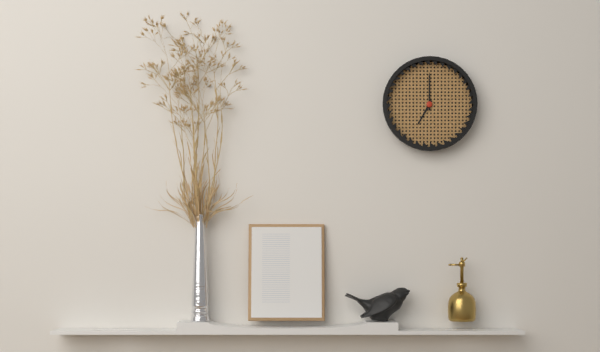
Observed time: 7h00
